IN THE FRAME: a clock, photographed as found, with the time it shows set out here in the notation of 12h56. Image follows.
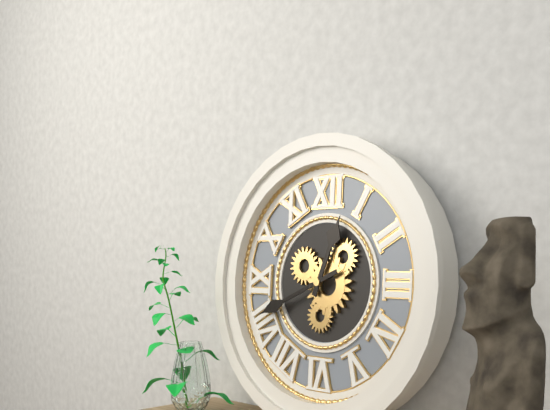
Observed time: 12h41
